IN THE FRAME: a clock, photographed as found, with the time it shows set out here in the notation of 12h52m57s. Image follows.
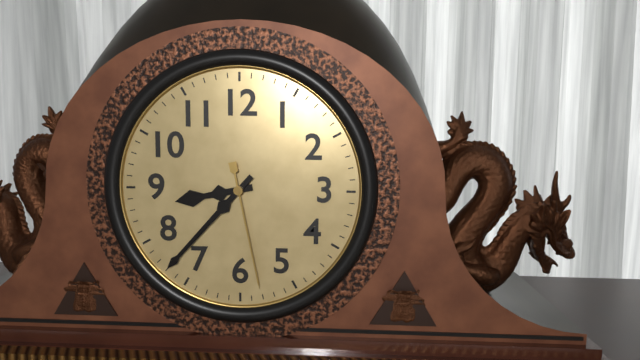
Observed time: 8h37m28s
